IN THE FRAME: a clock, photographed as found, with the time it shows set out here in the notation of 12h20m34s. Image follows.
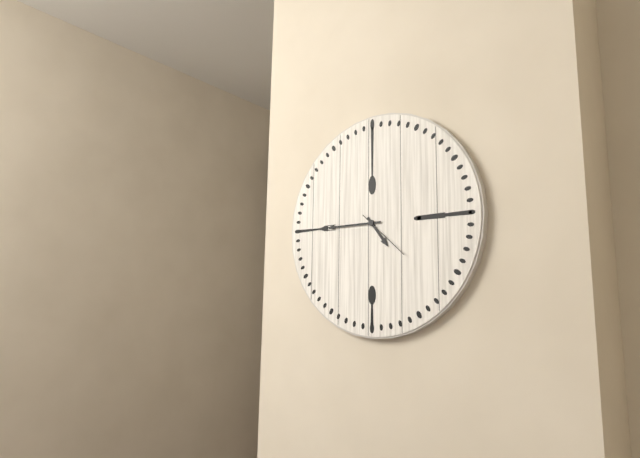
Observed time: 4h45m22s
